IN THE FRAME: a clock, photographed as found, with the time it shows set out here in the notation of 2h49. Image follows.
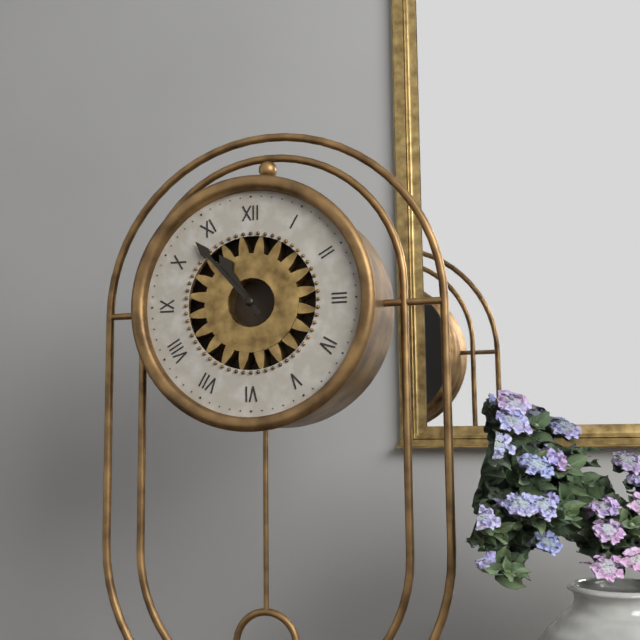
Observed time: 10h53
